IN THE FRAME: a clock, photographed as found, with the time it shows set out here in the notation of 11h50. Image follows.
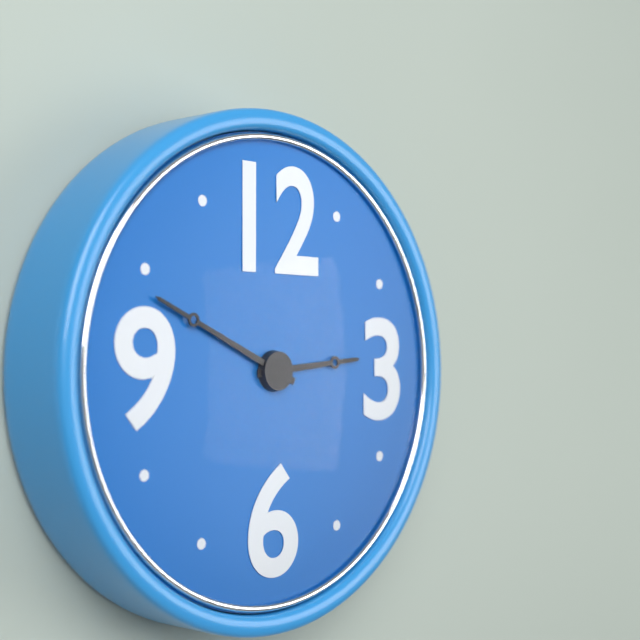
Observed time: 2h49
